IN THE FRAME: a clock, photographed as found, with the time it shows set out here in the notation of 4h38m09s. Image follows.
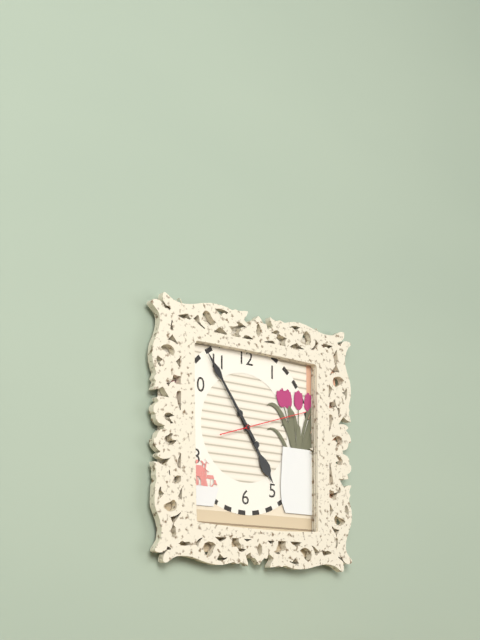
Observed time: 4h54m12s
